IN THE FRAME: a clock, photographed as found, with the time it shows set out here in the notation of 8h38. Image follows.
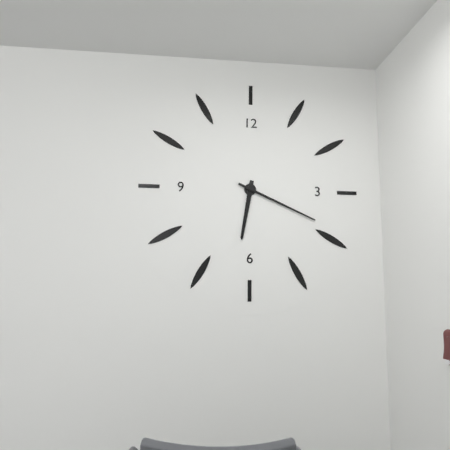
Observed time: 6h19
